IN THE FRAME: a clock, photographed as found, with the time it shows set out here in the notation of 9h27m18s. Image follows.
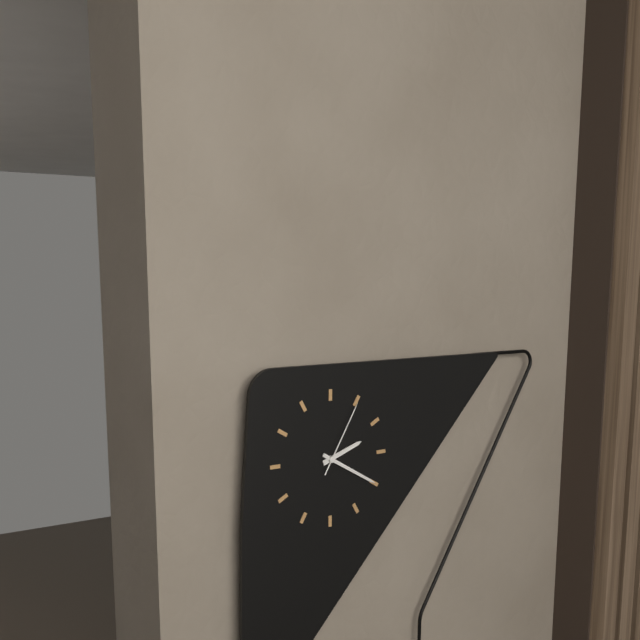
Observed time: 2h20m05s
